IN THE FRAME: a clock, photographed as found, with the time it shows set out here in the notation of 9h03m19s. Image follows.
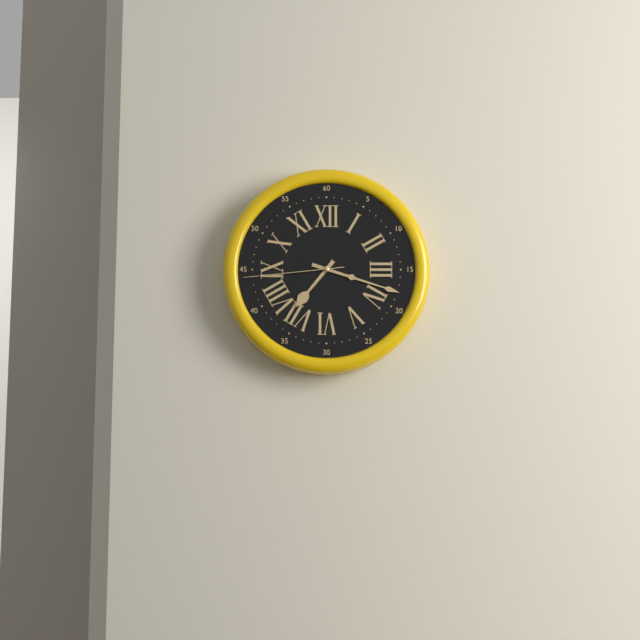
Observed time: 7h18m44s
